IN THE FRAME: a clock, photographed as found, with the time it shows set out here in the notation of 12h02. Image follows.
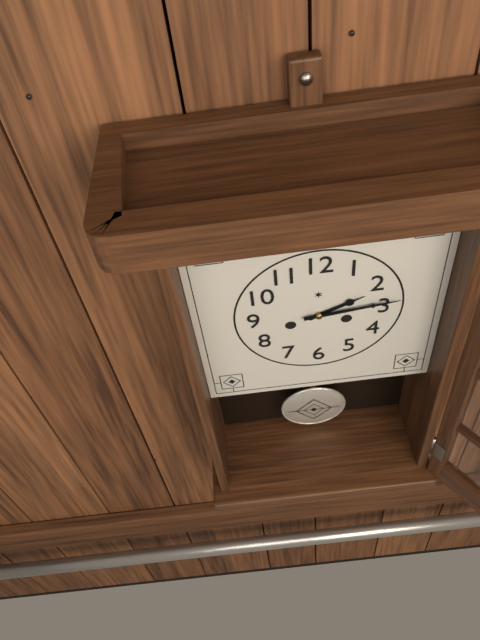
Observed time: 2h14
